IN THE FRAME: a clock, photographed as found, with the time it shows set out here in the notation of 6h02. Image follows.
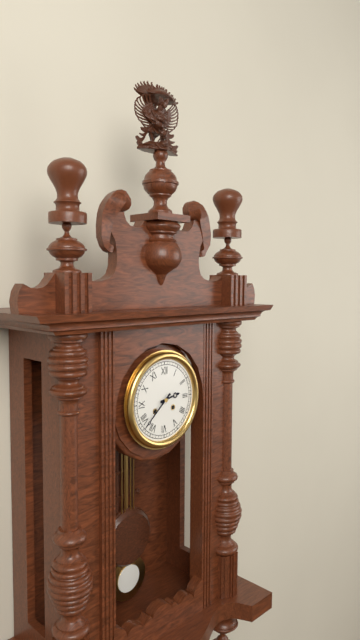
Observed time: 2h38
